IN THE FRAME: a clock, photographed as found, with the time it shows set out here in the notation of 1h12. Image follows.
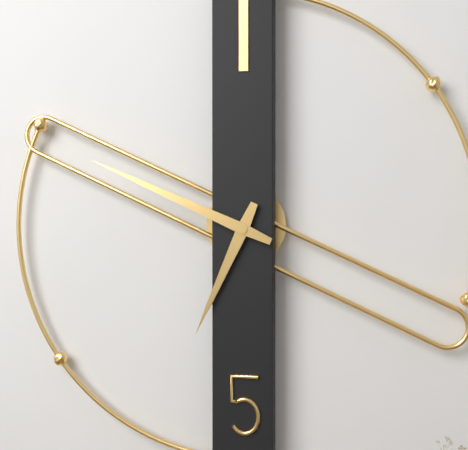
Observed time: 6h49
